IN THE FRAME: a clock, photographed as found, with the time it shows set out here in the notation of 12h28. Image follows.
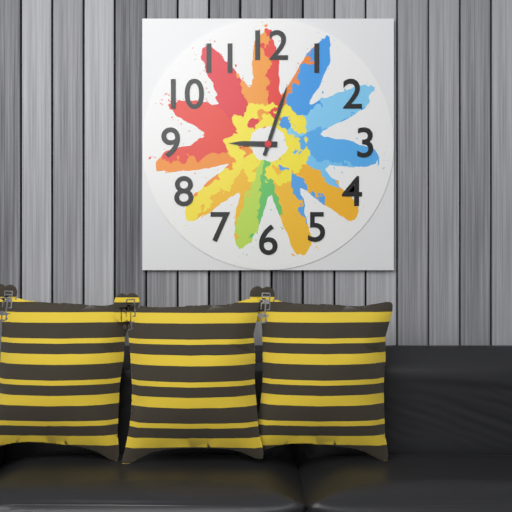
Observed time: 9h03
